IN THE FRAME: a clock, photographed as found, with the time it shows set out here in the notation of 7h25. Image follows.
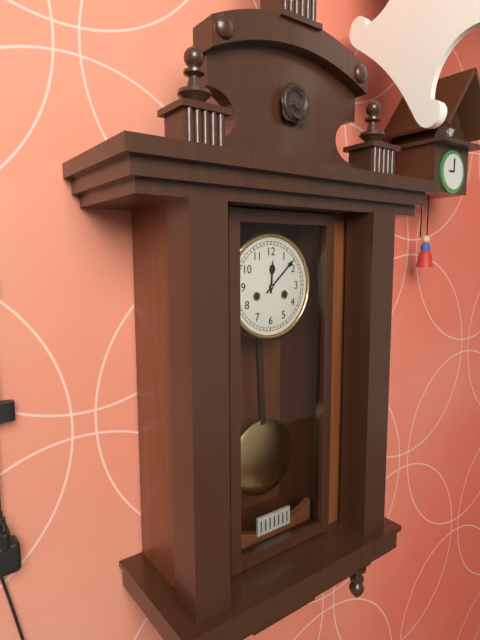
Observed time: 12h08
